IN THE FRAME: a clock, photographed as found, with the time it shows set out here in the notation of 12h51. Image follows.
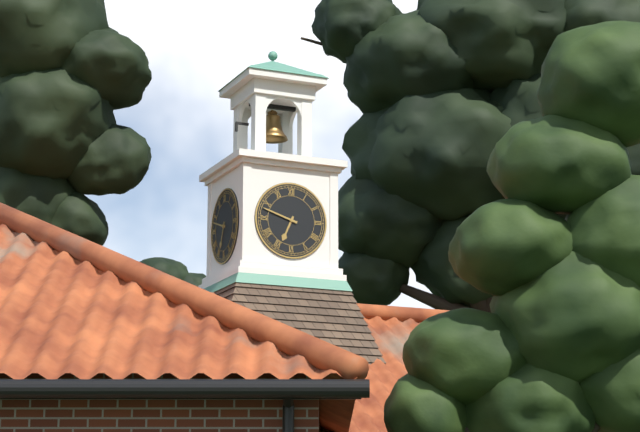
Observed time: 6h48
